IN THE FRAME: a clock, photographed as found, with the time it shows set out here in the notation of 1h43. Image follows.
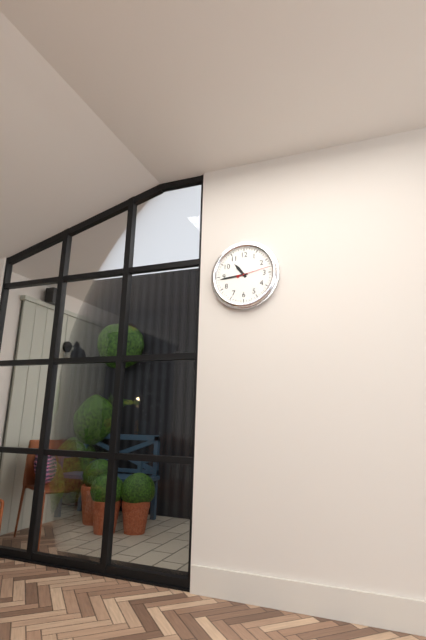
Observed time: 10h44
